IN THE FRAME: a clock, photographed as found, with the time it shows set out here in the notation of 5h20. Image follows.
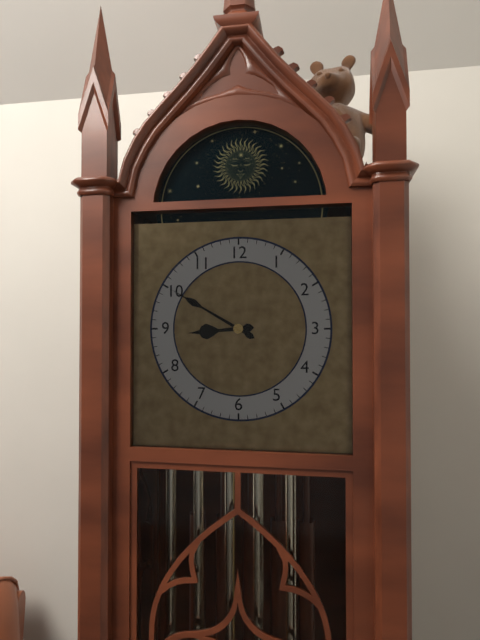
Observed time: 8h50
